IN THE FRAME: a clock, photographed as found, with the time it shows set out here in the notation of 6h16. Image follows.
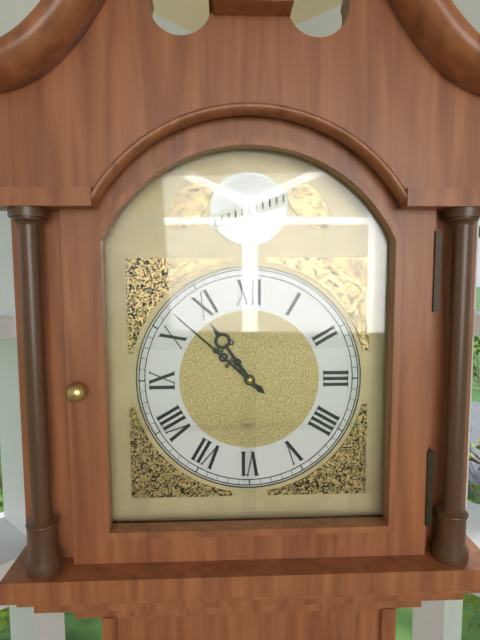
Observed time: 10h52
